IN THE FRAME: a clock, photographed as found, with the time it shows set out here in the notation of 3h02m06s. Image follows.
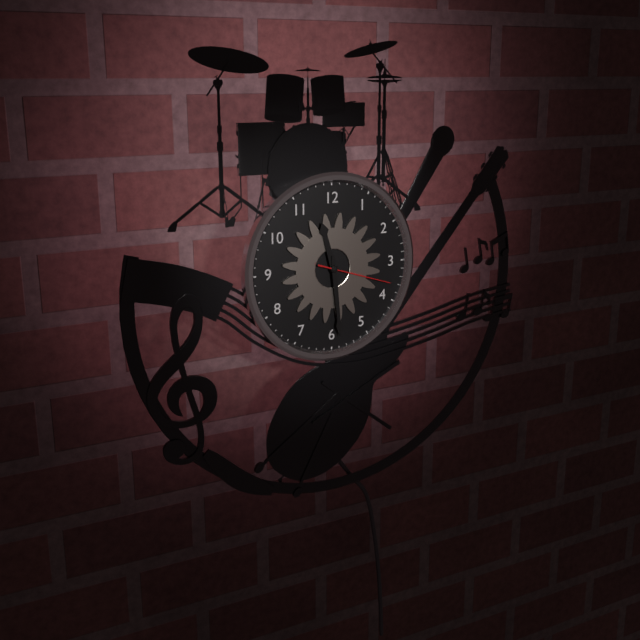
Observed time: 11h29m18s
